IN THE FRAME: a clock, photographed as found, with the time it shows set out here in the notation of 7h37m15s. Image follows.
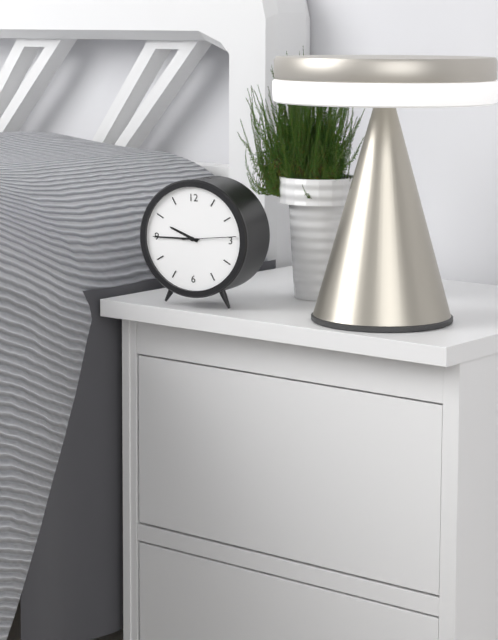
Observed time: 9h45m14s
